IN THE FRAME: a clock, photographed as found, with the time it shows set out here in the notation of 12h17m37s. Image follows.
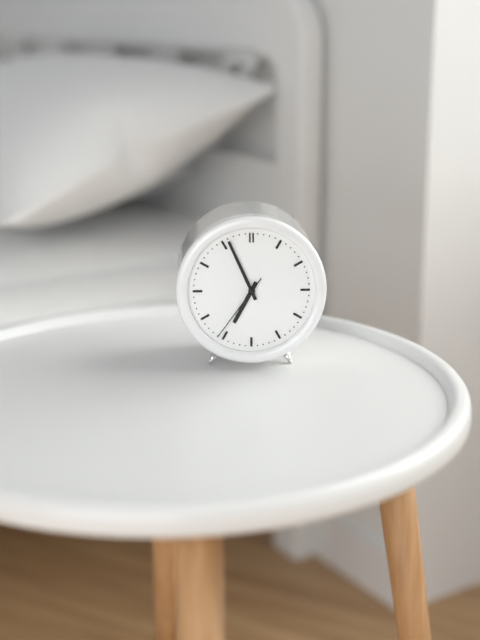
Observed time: 6h56m36s
